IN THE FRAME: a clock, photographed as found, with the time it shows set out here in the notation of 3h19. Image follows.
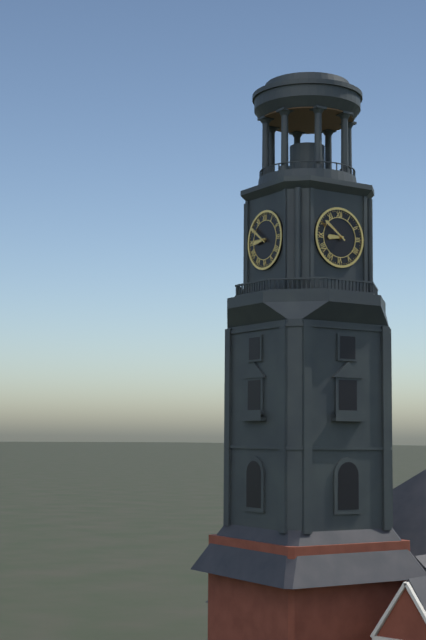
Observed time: 8h51
